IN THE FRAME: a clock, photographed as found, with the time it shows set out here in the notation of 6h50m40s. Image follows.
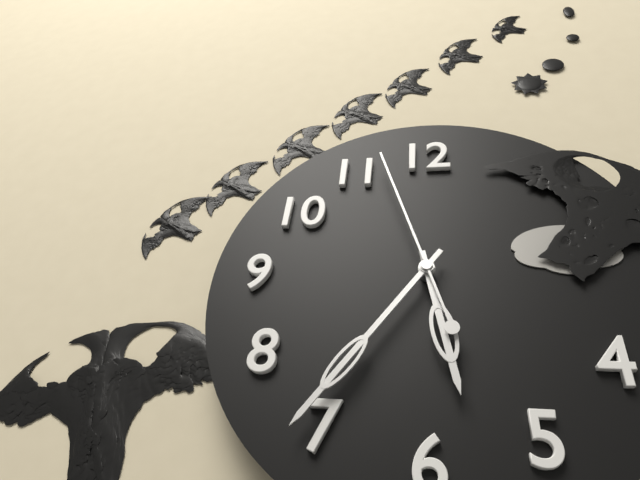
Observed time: 5h36m57s
